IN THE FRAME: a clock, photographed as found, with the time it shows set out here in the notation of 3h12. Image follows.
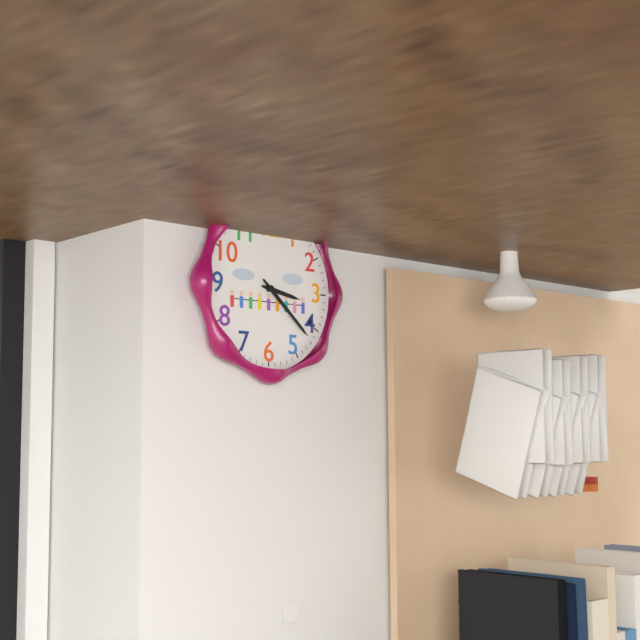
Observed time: 3h22
